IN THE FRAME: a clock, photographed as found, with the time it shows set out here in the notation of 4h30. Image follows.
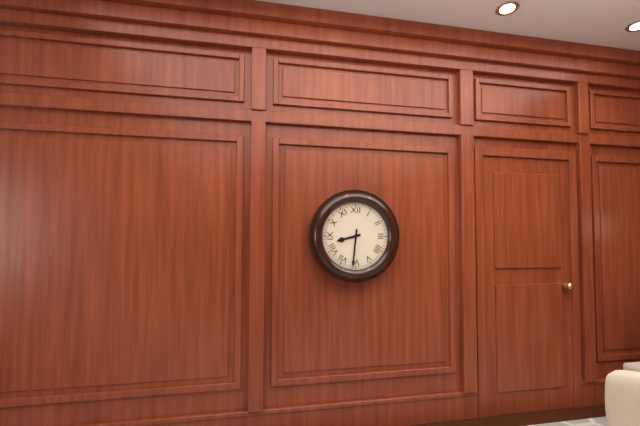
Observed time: 8h31
